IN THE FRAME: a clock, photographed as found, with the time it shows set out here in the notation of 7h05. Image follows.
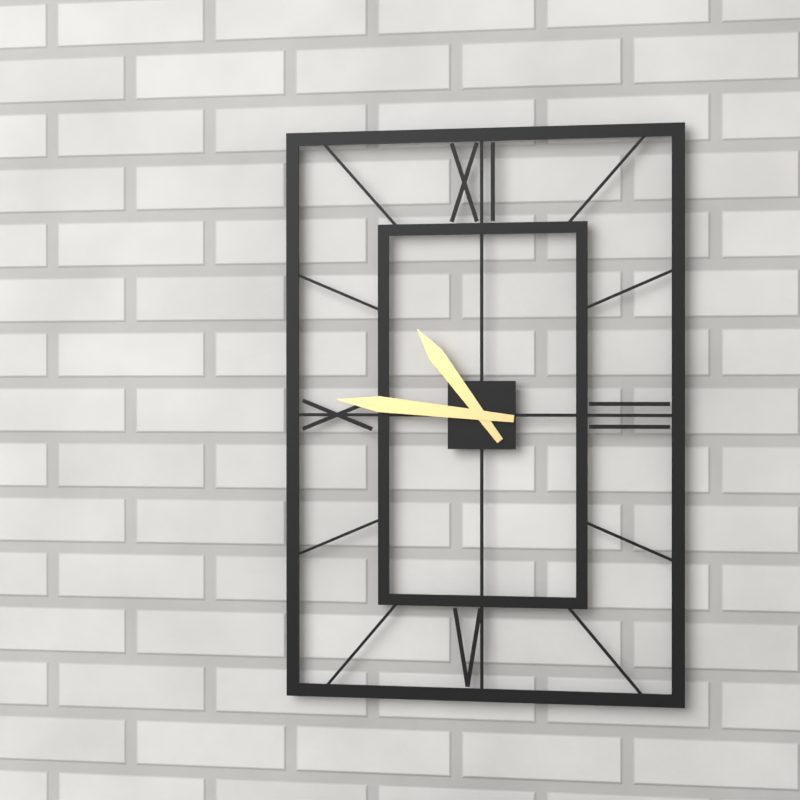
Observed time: 10h46
